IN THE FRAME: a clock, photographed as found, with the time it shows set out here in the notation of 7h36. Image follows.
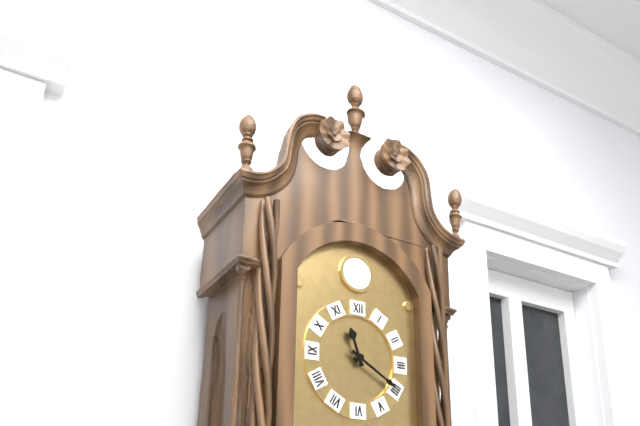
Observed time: 11h20
